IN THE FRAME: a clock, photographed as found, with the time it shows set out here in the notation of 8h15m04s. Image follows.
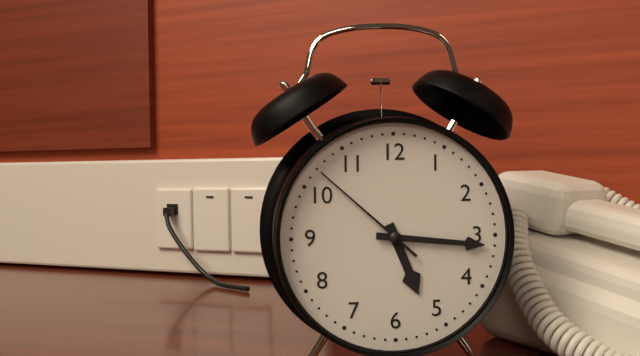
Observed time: 5h16m52s
